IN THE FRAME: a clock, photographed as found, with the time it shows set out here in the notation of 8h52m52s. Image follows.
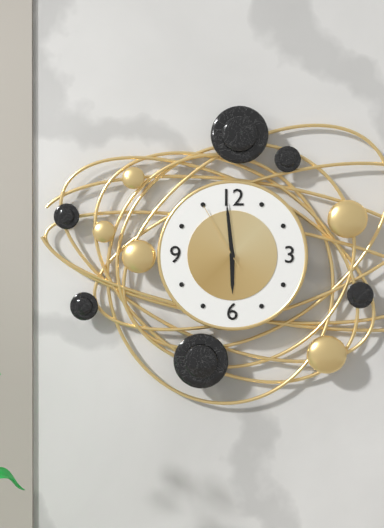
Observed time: 5h59m55s
